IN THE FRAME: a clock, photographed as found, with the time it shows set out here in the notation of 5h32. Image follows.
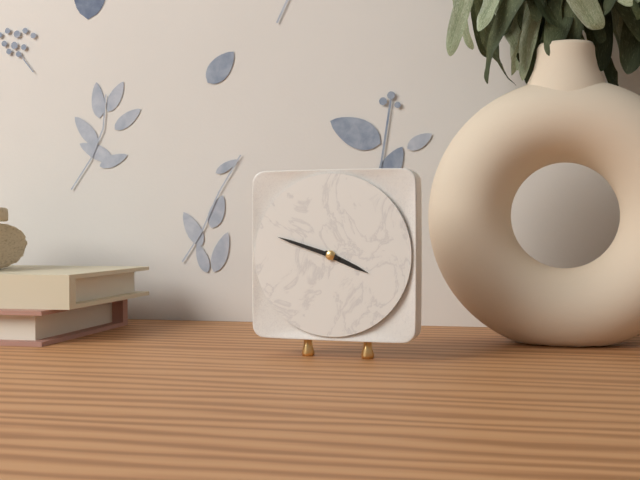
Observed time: 3h48
